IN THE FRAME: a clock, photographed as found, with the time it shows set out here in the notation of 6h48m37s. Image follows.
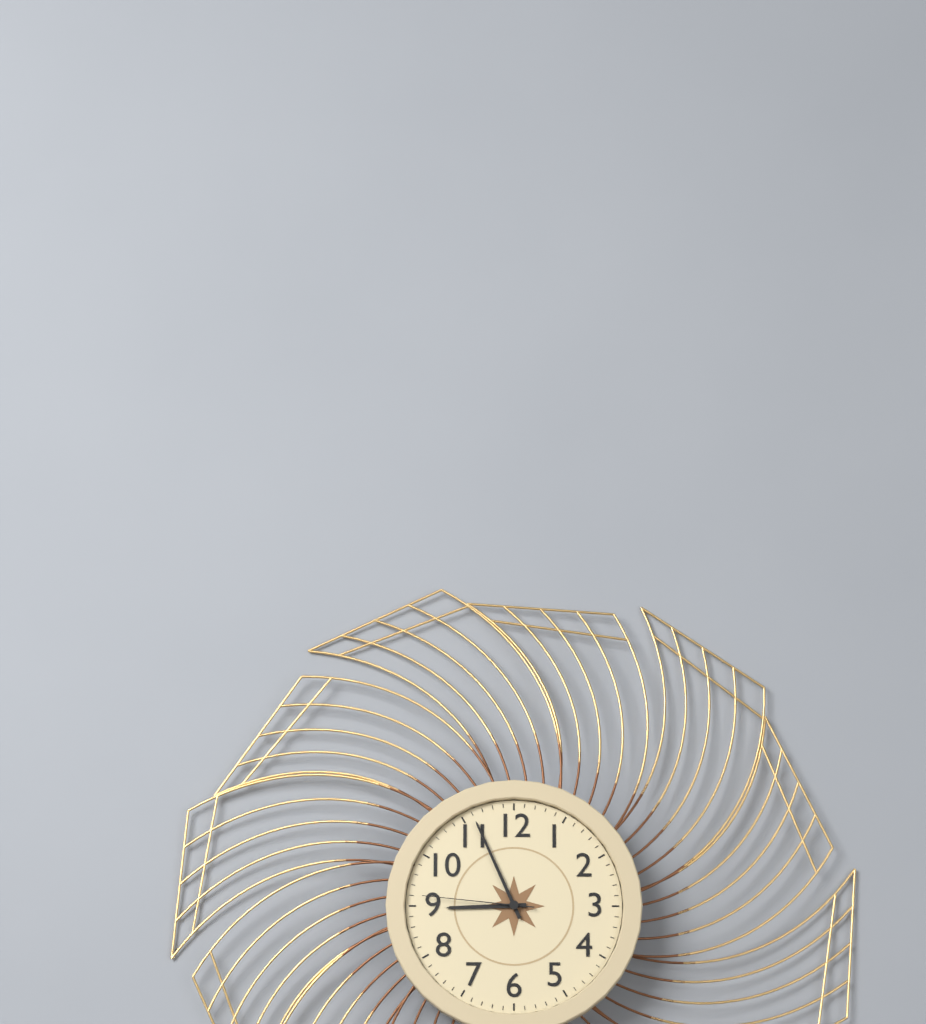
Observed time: 8h56m46s
